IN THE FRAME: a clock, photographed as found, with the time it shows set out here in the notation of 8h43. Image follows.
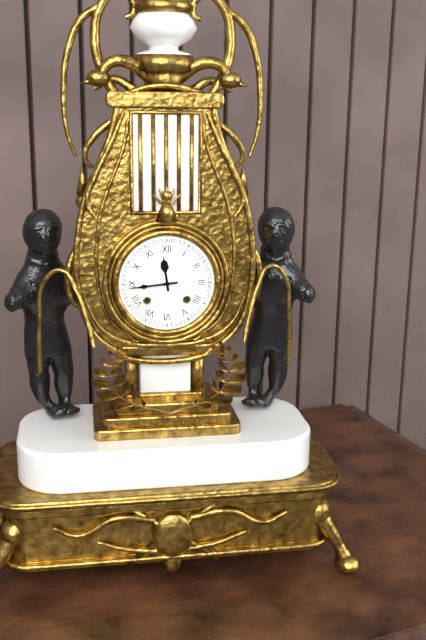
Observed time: 11h44
